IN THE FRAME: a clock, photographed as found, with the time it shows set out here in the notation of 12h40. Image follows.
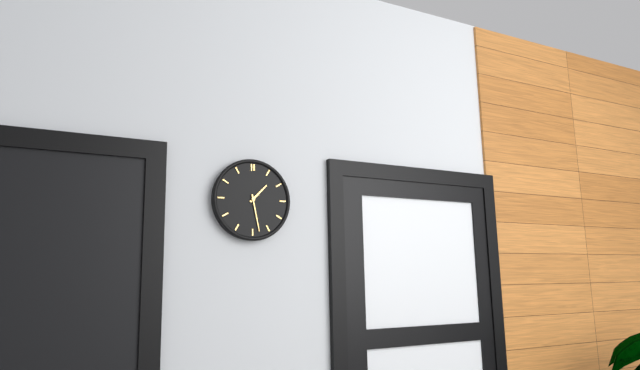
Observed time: 1h28
